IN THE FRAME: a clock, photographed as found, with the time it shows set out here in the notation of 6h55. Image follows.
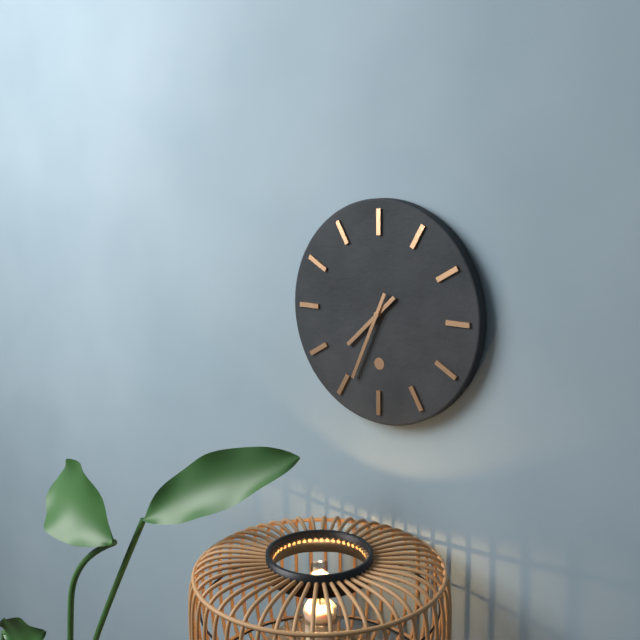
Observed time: 7h34
